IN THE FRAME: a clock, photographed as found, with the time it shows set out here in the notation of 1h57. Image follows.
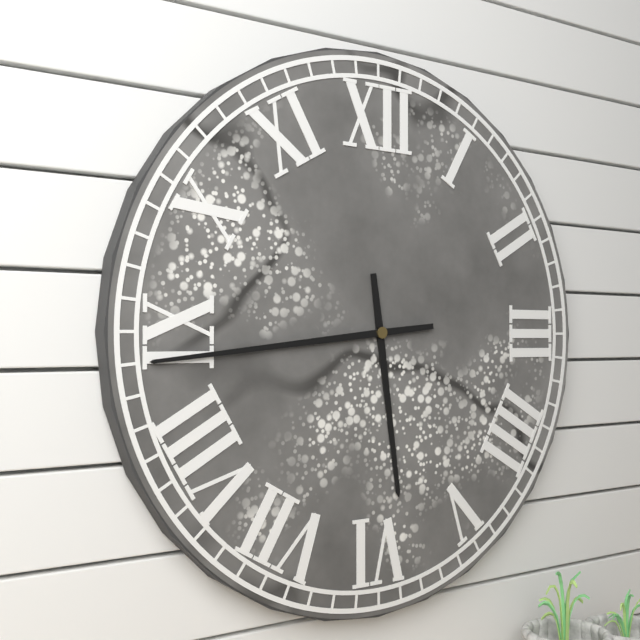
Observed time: 5h44
